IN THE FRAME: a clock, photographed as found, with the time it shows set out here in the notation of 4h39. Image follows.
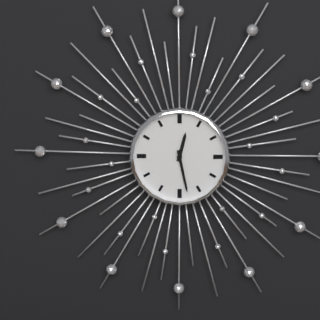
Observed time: 12h28
